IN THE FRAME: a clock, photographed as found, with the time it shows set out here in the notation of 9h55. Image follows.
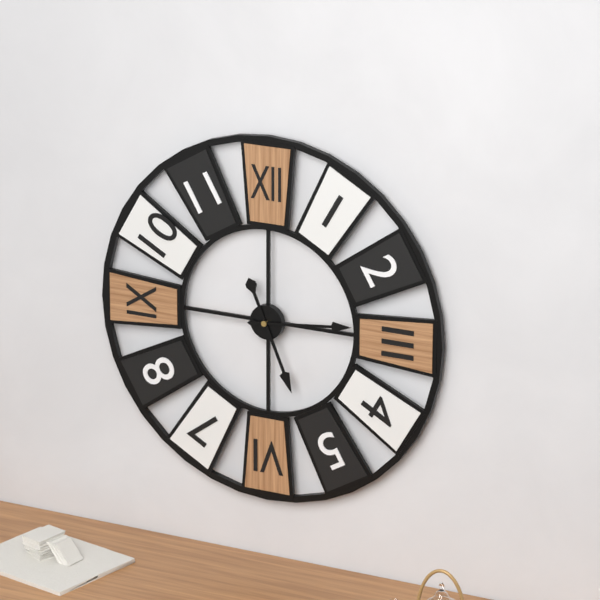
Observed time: 5h14
